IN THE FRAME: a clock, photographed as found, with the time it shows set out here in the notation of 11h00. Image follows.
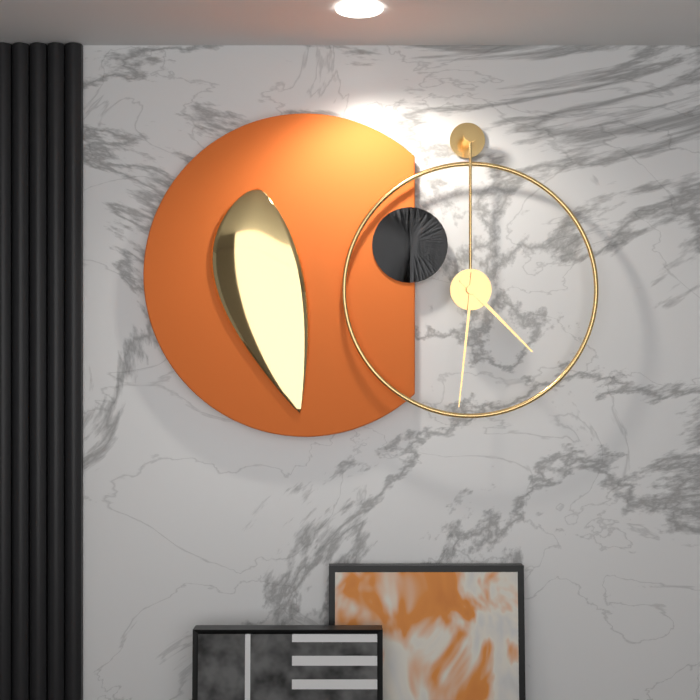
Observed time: 4h31
